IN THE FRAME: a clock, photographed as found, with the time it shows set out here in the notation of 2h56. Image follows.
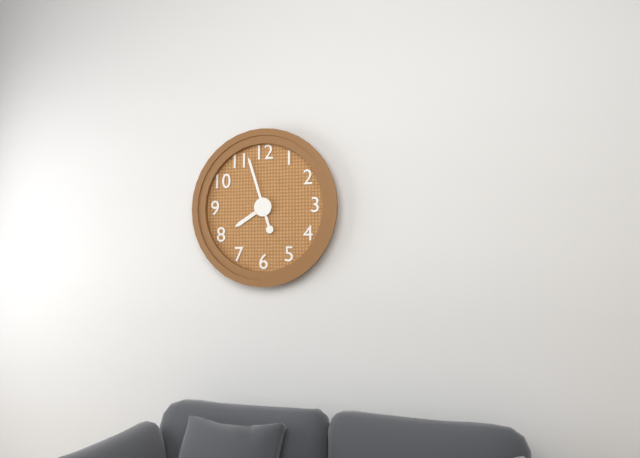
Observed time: 7h57
